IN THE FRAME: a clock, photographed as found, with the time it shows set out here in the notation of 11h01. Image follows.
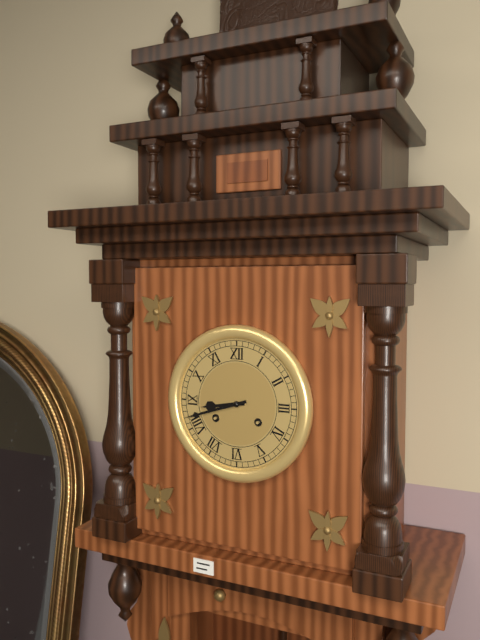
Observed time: 8h42
